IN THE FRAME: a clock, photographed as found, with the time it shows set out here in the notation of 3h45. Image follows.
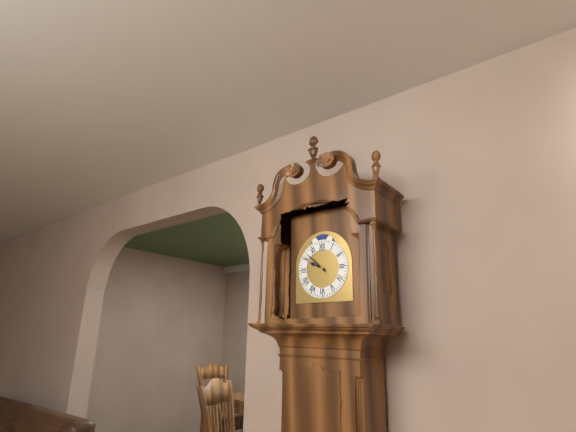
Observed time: 9h52
